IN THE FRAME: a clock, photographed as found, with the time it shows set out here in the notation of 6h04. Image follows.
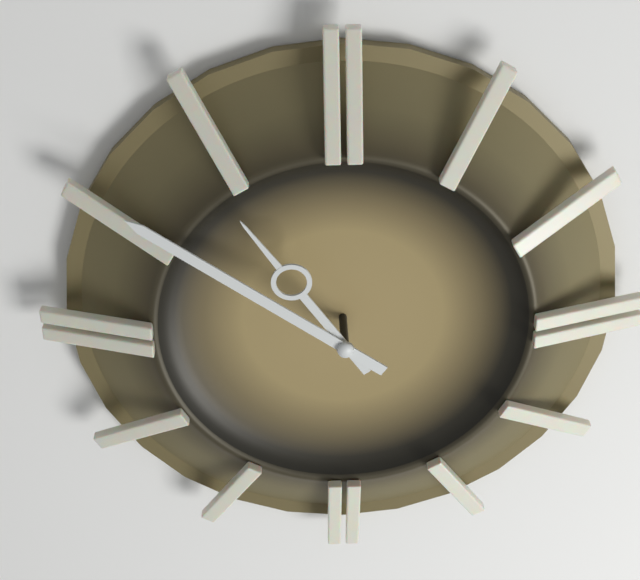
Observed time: 10h51
